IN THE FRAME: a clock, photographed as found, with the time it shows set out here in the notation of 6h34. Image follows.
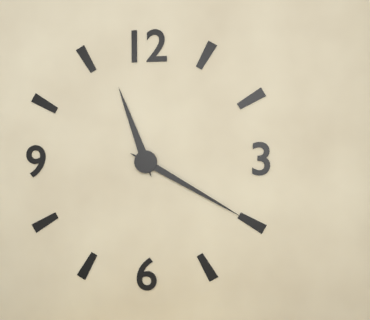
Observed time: 11h20
